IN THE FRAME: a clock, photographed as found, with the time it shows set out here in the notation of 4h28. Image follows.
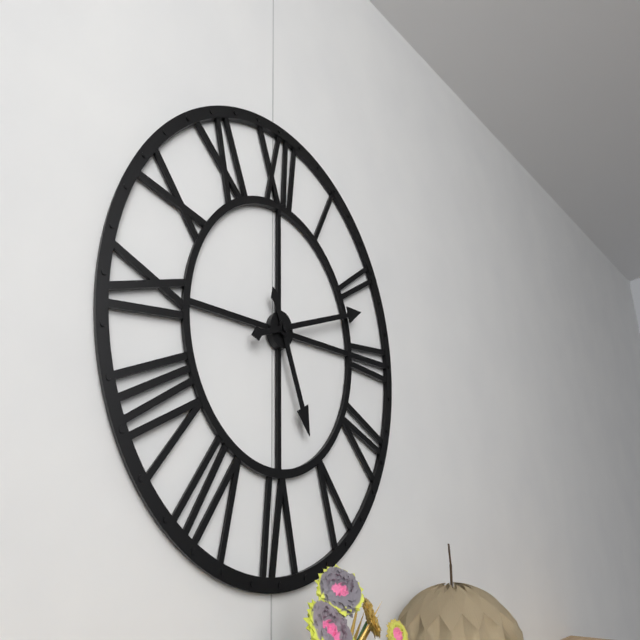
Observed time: 5h12
